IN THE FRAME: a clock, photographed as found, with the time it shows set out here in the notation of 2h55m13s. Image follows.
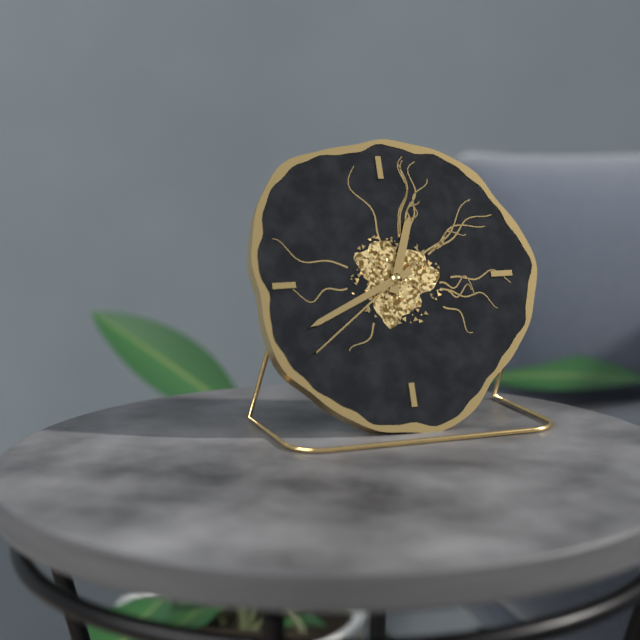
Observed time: 12h41m39s
